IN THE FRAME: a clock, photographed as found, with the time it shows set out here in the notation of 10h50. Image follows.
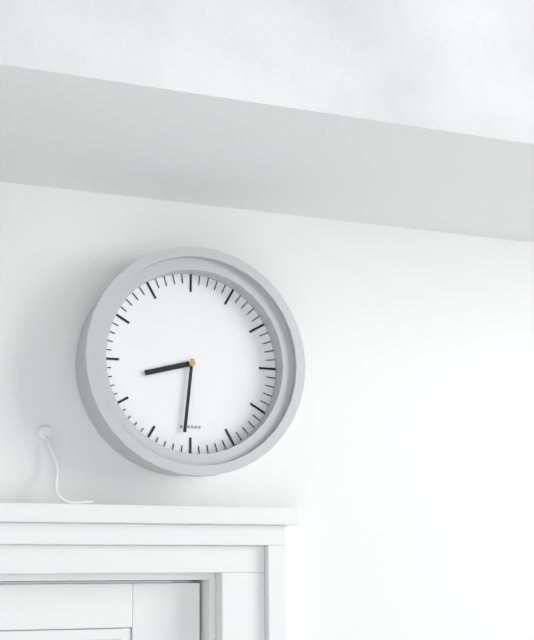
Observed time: 8h31
